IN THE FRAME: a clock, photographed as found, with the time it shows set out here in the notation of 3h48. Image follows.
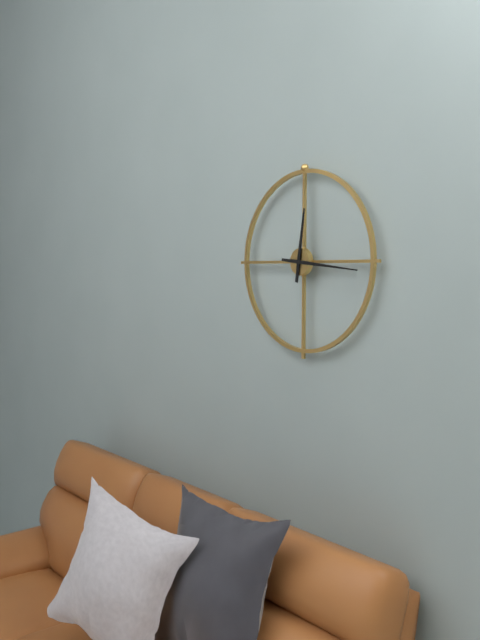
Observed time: 12h16
